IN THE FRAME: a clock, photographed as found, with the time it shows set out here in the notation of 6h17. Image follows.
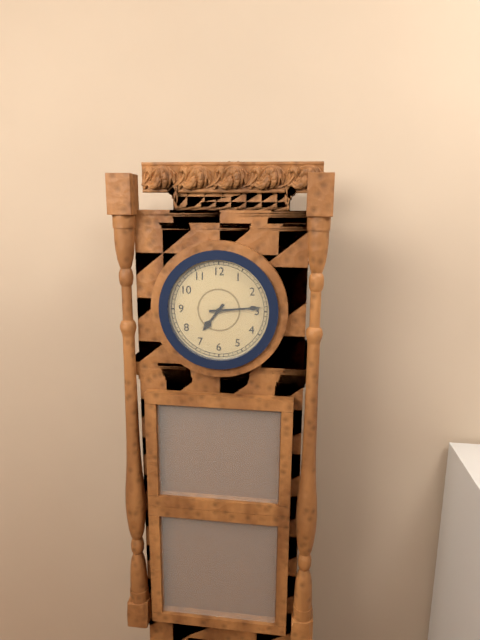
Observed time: 7h14
